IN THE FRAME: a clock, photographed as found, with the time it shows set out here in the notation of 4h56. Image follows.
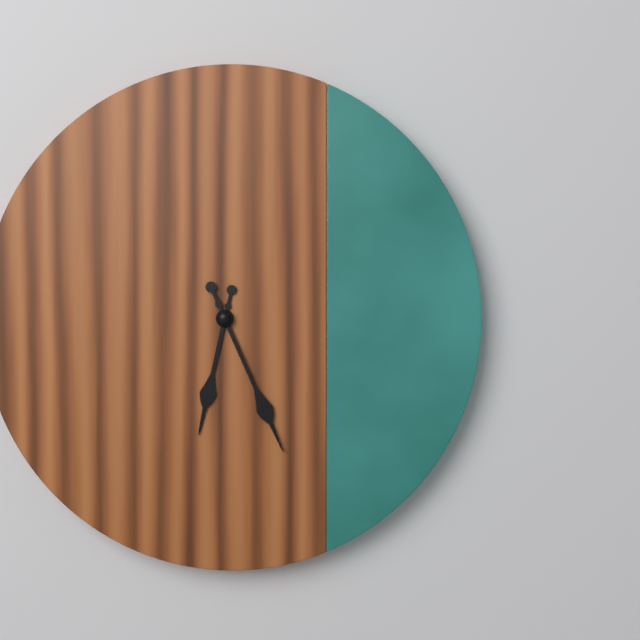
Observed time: 6h26
